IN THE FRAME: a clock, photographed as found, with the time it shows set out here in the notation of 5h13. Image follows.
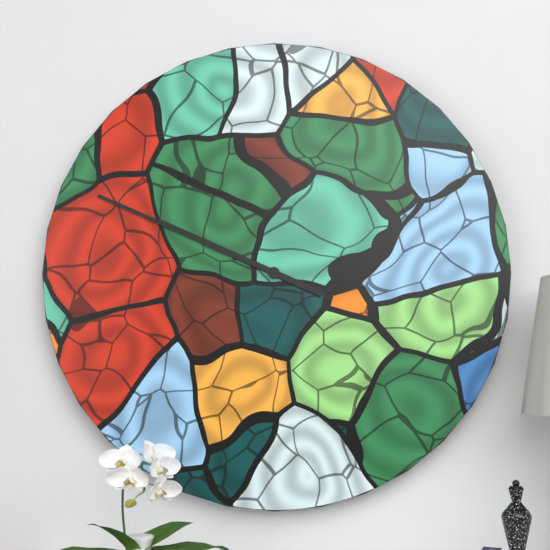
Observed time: 9h49
